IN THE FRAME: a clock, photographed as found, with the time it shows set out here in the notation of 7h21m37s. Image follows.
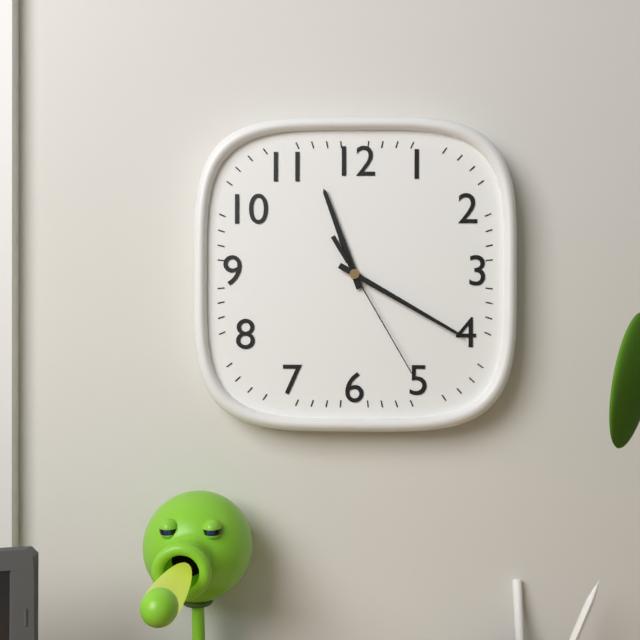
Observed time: 11h20m25s
